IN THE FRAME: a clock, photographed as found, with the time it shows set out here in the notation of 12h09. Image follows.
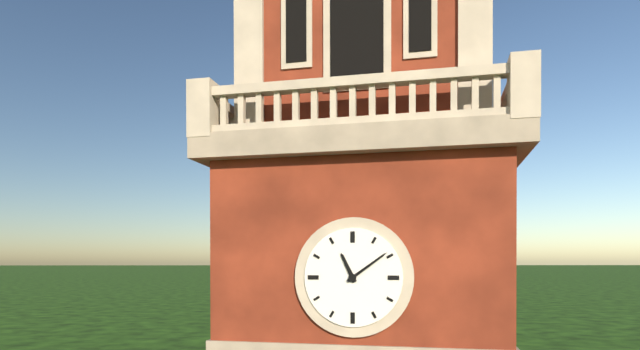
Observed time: 11h09
